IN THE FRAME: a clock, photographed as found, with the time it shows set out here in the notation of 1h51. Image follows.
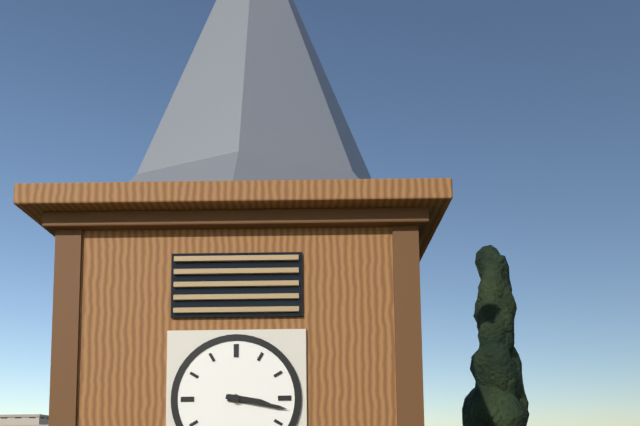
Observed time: 3h17
